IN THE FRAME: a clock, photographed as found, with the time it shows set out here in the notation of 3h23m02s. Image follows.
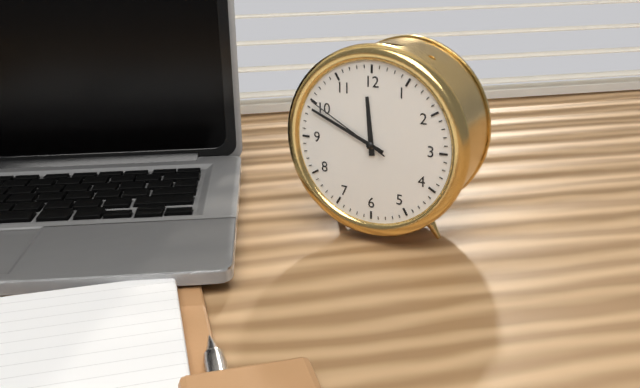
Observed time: 11h49m50s
